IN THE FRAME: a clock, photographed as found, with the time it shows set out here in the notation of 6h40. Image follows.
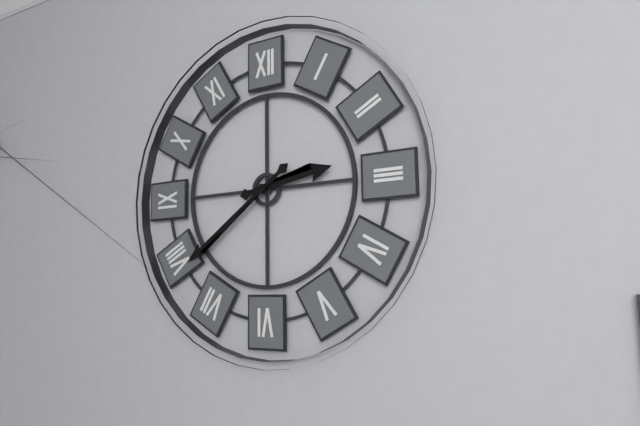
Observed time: 2h39
